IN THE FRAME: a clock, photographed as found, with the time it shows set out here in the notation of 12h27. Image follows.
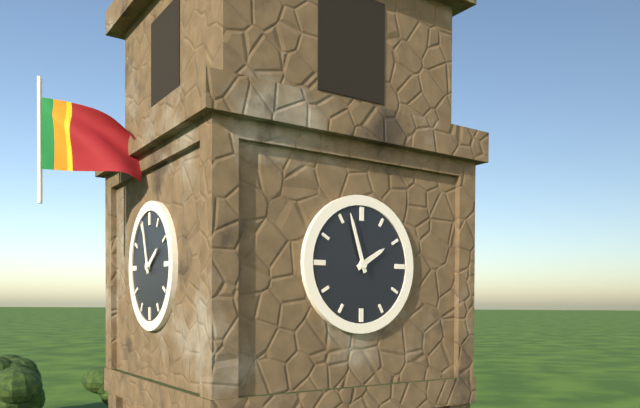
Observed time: 1h57
